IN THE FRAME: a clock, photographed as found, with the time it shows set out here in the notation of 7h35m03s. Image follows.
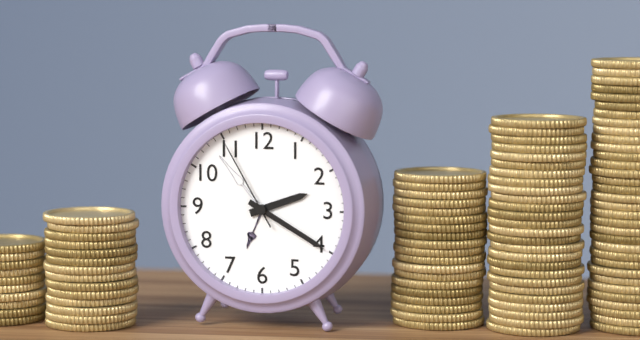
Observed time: 2h20m55s
